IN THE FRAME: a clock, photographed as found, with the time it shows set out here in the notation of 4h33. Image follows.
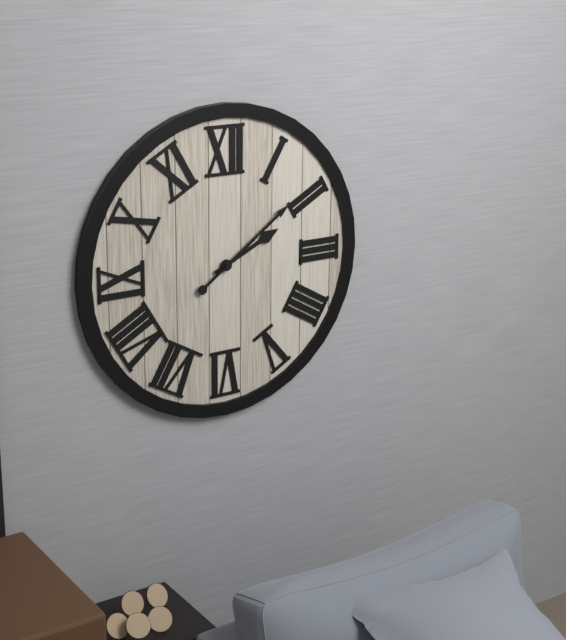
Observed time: 2h09
